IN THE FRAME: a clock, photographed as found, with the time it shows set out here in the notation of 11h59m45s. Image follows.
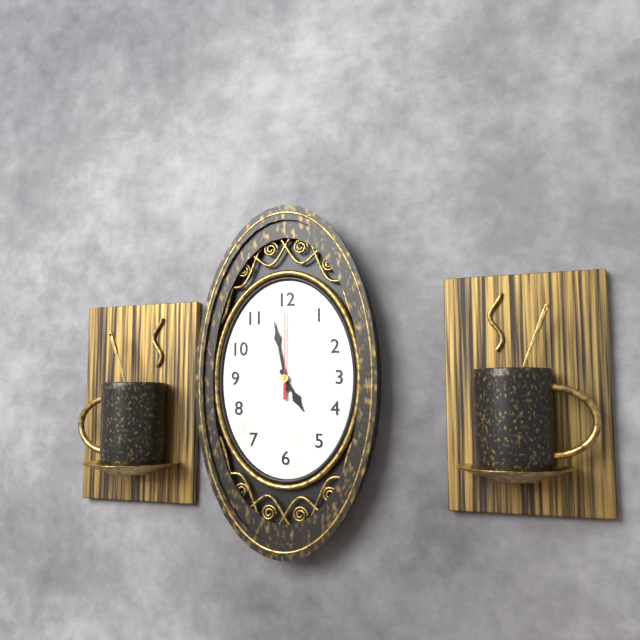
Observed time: 4h58m00s
